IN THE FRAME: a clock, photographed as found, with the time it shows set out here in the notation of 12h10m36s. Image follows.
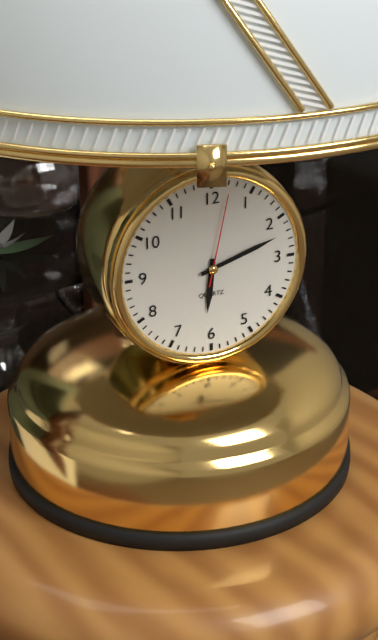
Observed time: 6h12m02s
